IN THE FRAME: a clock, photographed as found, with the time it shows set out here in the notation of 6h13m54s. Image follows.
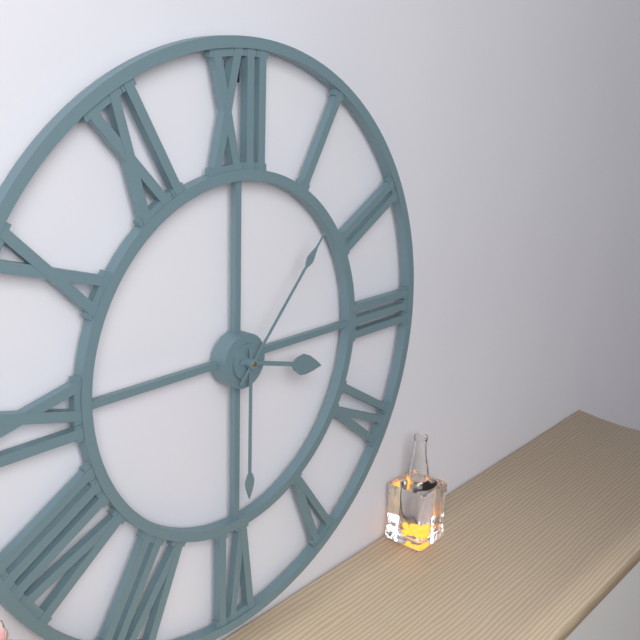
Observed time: 3h30m07s
